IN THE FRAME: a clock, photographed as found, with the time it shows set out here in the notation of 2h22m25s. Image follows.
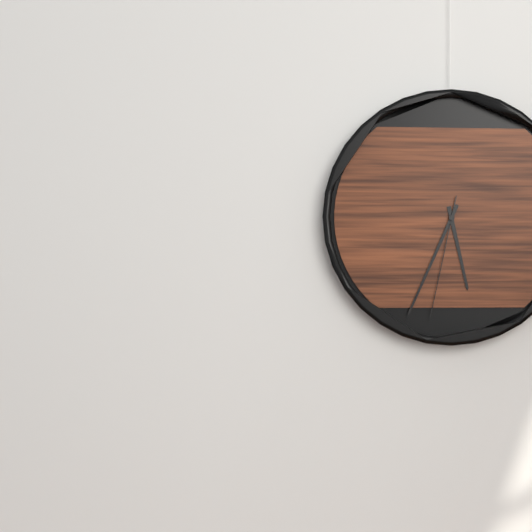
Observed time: 5h34m32s
